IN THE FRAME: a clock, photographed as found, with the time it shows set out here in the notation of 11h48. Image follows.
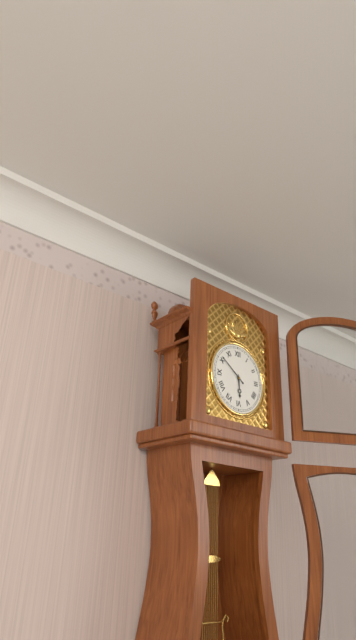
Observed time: 5h51
